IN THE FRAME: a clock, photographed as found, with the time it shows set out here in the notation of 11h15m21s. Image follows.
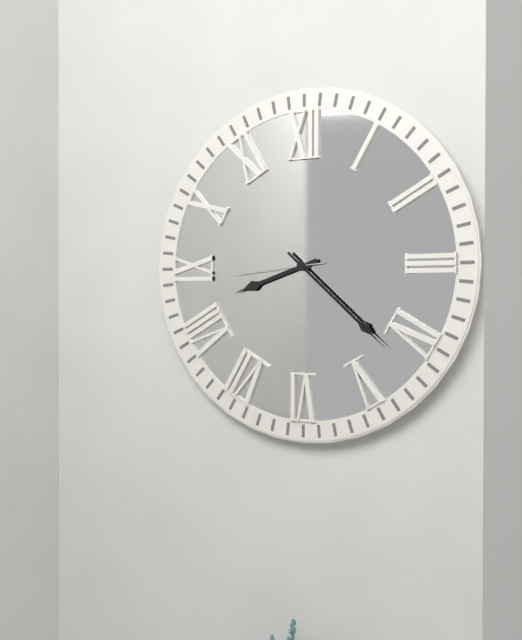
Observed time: 8h22m44s
